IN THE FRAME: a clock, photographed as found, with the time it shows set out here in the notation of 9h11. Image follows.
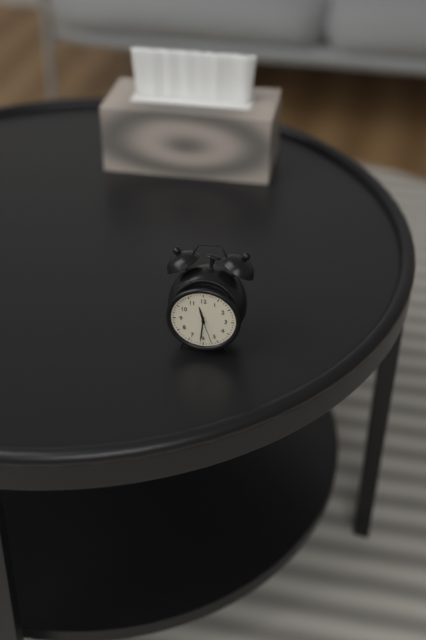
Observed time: 11h31
